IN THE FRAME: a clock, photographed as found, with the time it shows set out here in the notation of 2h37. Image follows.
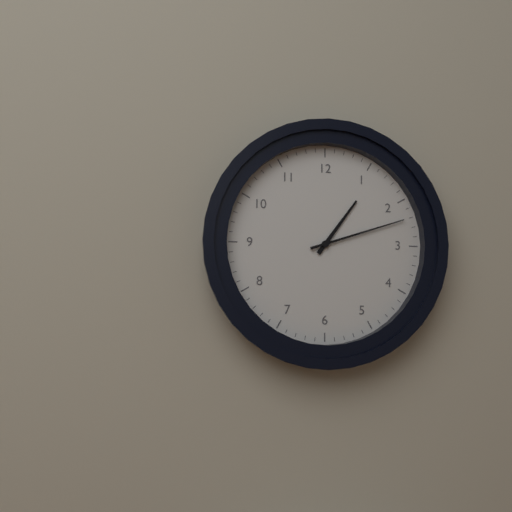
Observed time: 1h12
